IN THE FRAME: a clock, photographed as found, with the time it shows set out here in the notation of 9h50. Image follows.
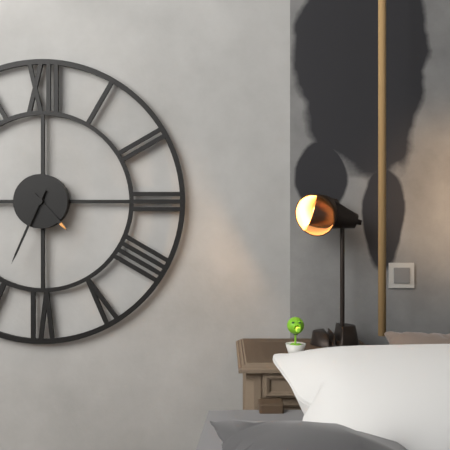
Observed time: 4h34
